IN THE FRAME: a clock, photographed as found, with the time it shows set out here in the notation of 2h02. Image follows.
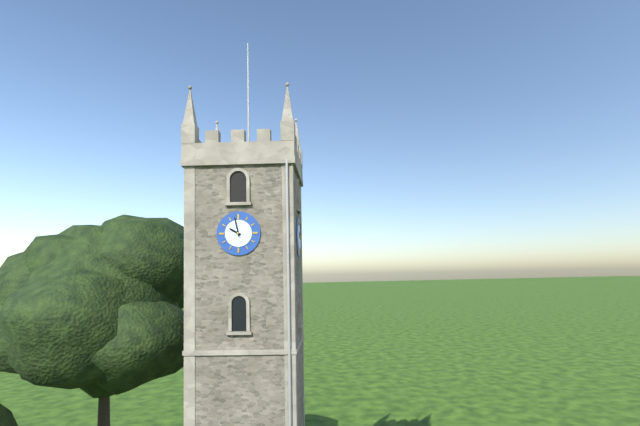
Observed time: 9h58
